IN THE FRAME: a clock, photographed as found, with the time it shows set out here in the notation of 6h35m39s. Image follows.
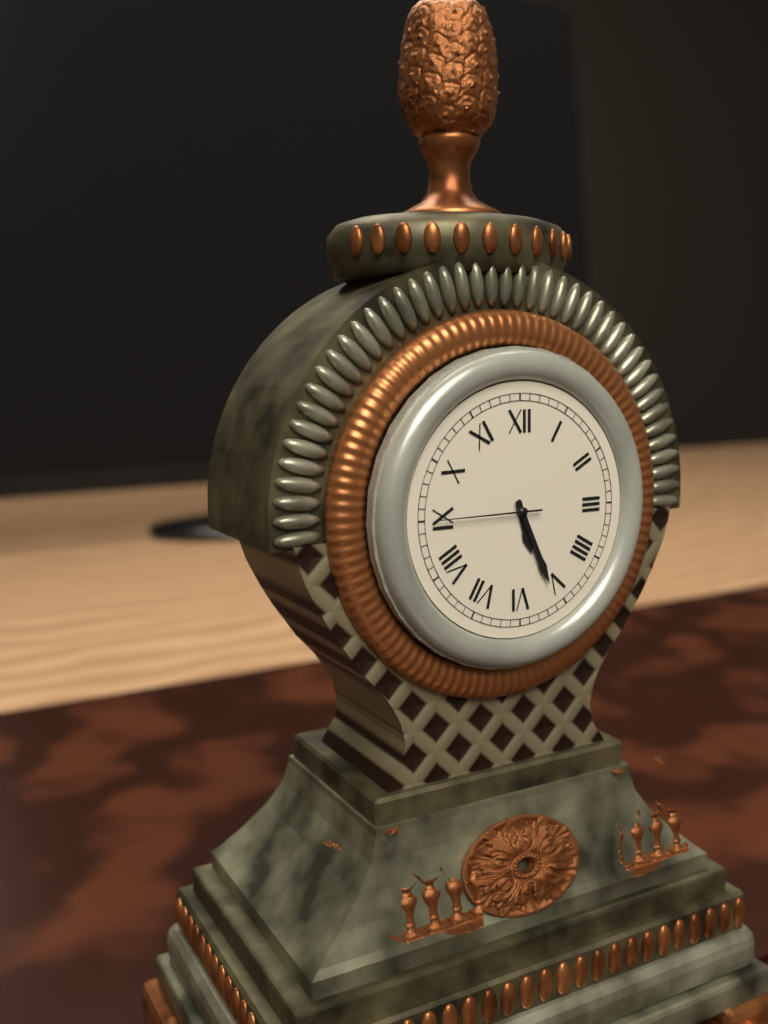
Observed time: 5h26m45s
